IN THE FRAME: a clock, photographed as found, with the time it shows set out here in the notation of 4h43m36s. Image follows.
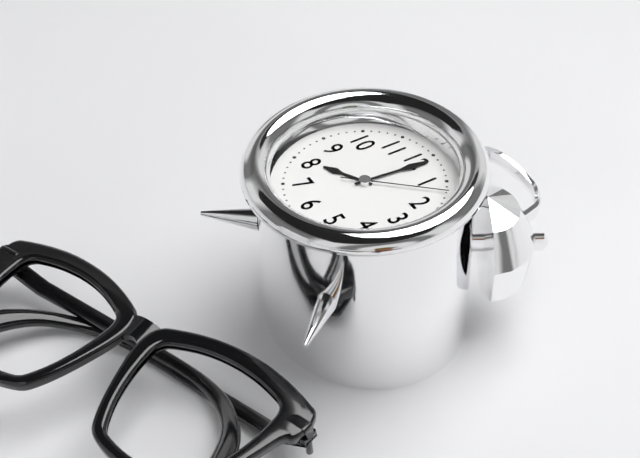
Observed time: 8h01m07s
